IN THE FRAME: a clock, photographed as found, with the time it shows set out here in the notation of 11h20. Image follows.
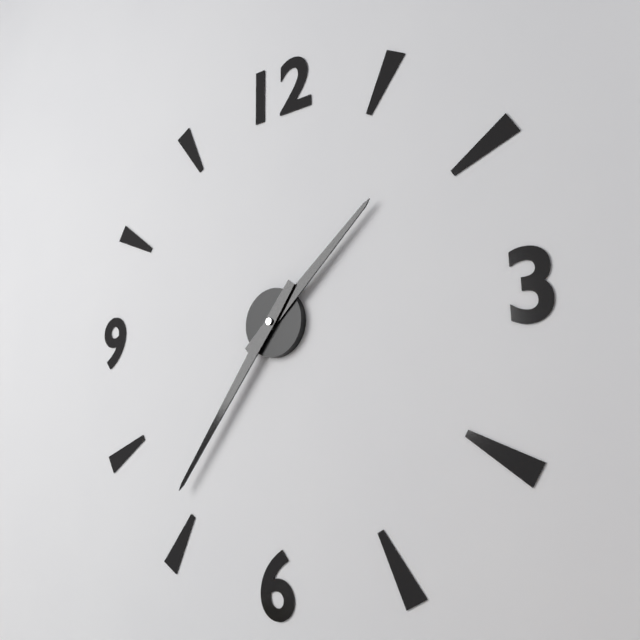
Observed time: 1h36
